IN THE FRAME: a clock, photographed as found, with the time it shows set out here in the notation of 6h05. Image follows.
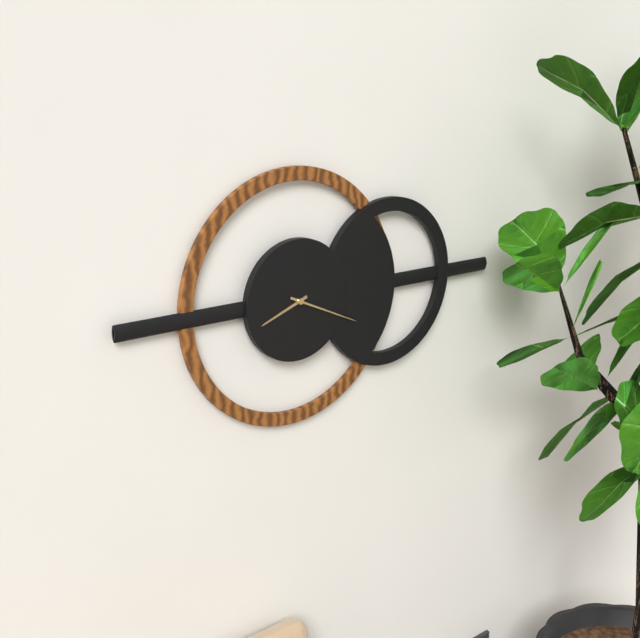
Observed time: 8h19
